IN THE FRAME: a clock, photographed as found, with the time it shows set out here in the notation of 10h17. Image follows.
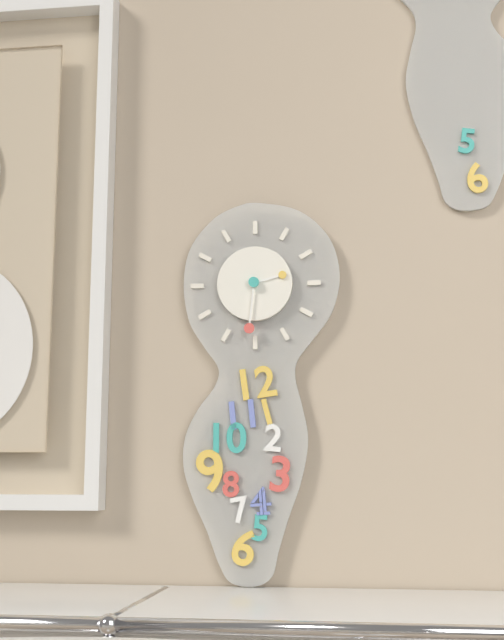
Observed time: 2h31
